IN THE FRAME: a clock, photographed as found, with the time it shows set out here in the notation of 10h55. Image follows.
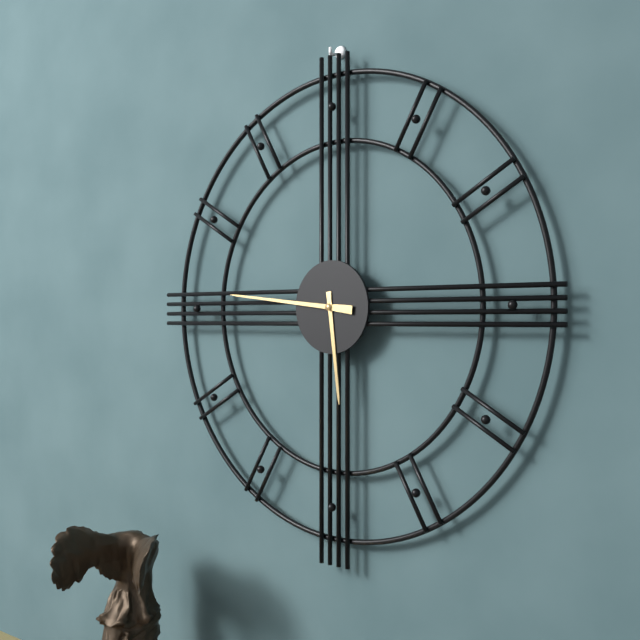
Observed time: 5h46
